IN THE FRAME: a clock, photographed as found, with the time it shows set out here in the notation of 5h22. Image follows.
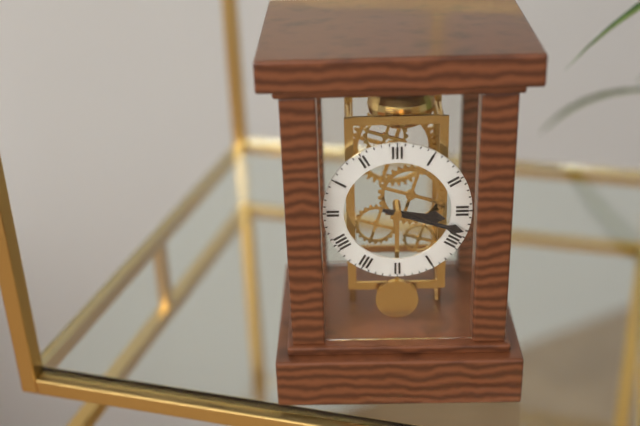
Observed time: 3h18
